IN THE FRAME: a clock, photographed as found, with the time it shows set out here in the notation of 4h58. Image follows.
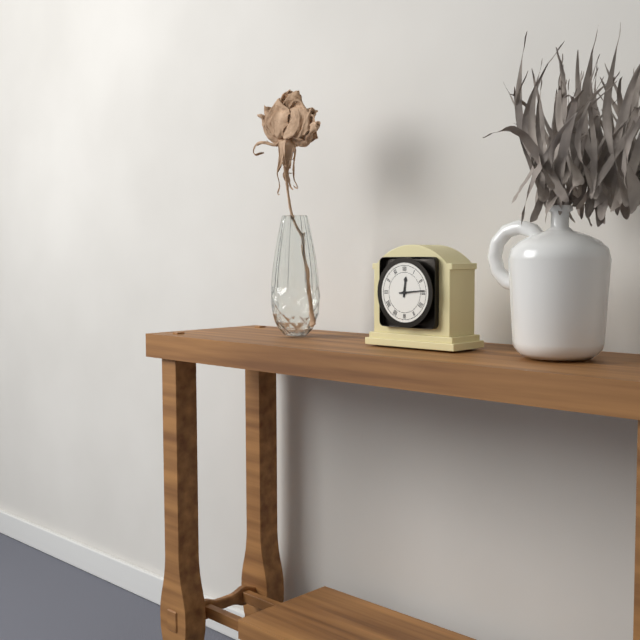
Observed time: 12h14
